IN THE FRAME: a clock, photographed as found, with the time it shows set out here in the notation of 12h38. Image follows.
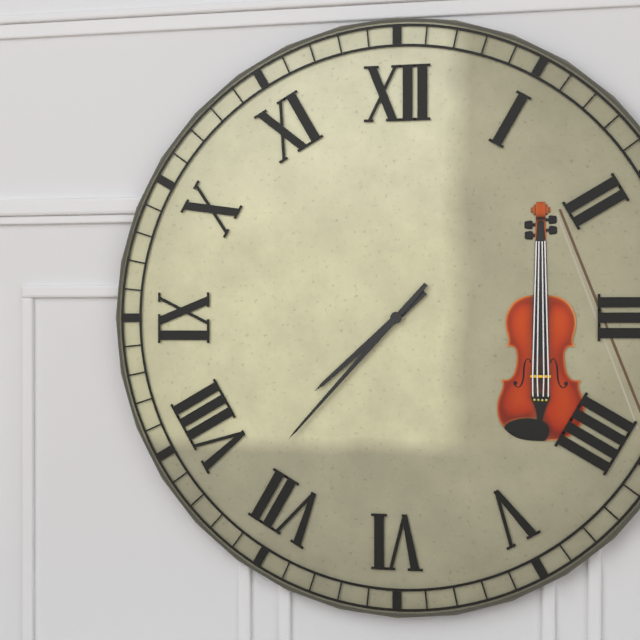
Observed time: 7h37
